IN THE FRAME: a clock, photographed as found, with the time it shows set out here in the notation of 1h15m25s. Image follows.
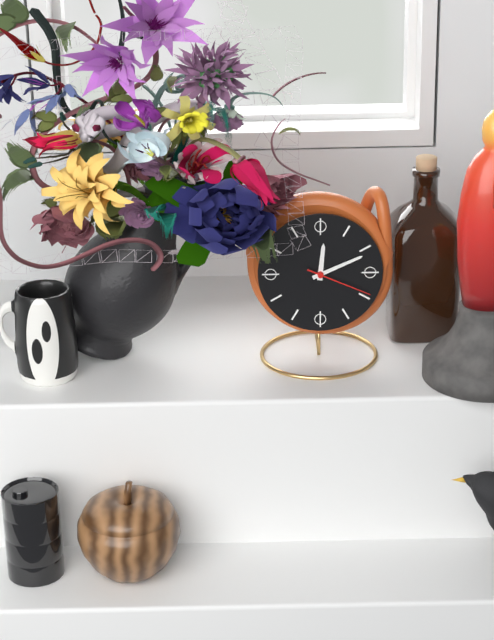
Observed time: 12h11m19s
